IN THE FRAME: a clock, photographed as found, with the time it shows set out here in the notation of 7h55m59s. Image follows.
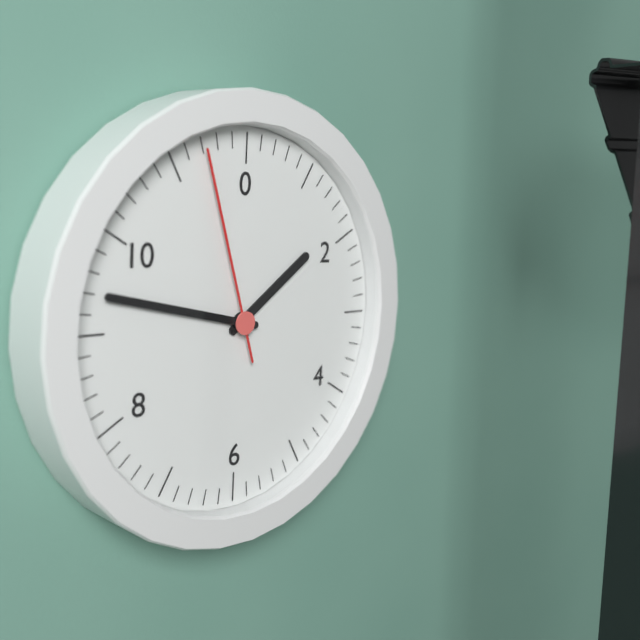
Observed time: 1h47m57s
